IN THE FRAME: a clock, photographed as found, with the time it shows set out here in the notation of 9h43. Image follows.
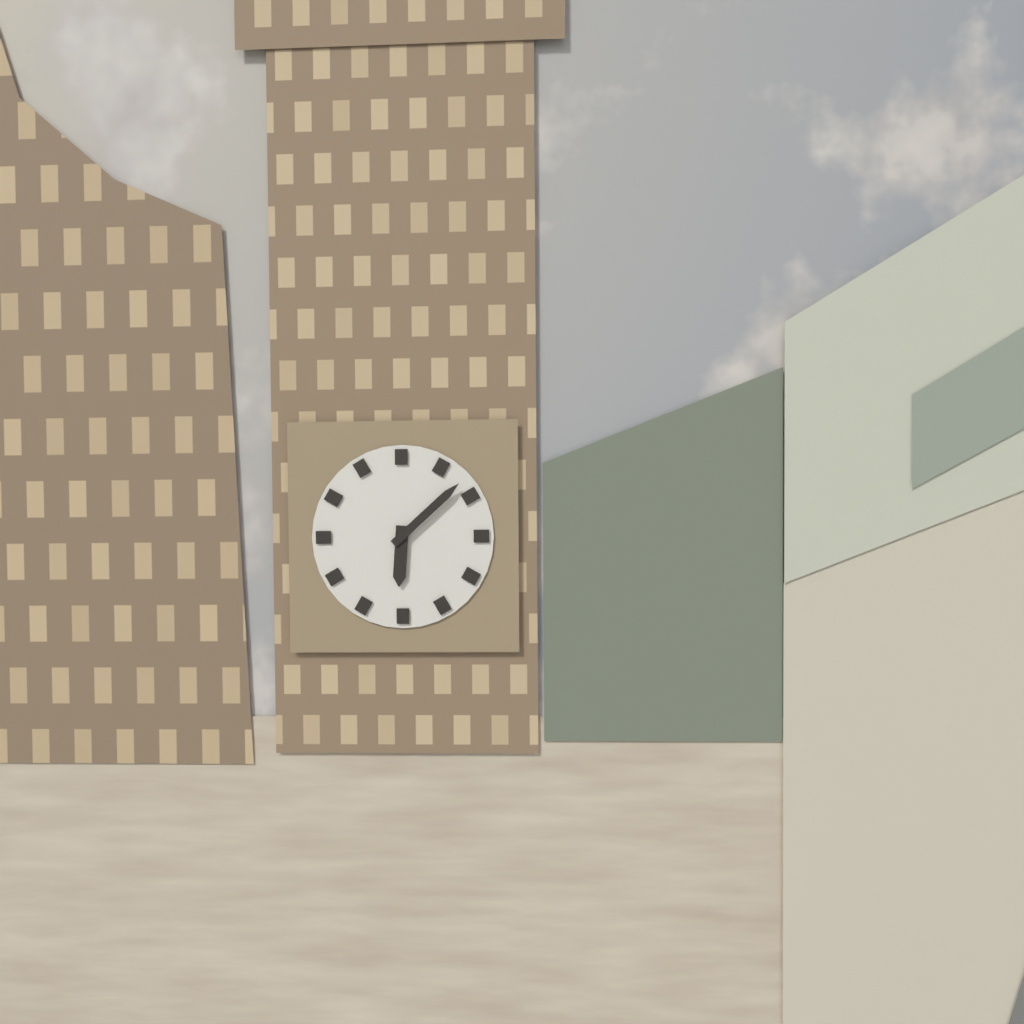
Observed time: 6h08
